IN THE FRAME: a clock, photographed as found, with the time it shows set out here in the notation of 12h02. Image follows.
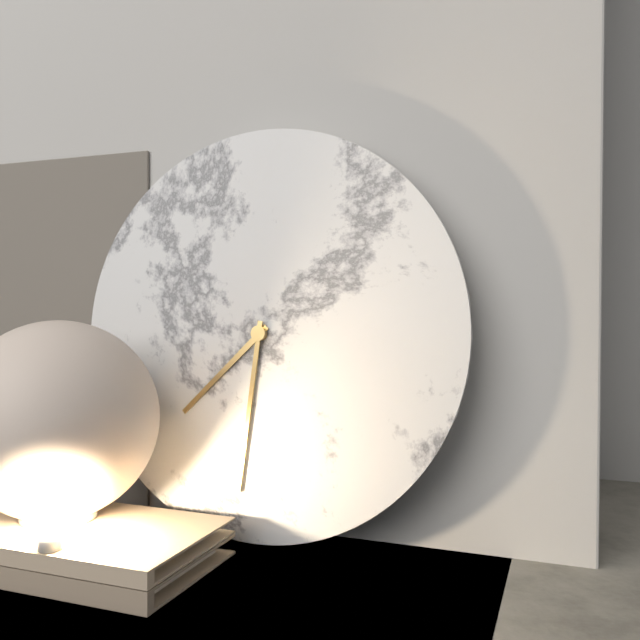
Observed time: 7h31
